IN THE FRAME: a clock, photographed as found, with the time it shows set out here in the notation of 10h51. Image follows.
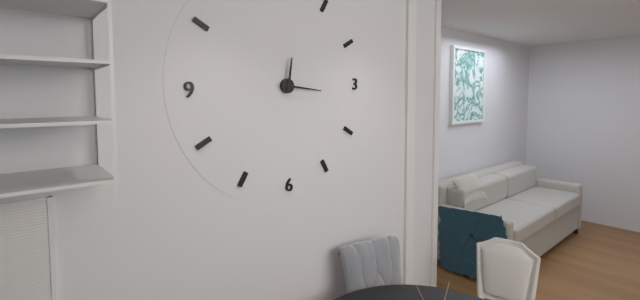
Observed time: 12h16
